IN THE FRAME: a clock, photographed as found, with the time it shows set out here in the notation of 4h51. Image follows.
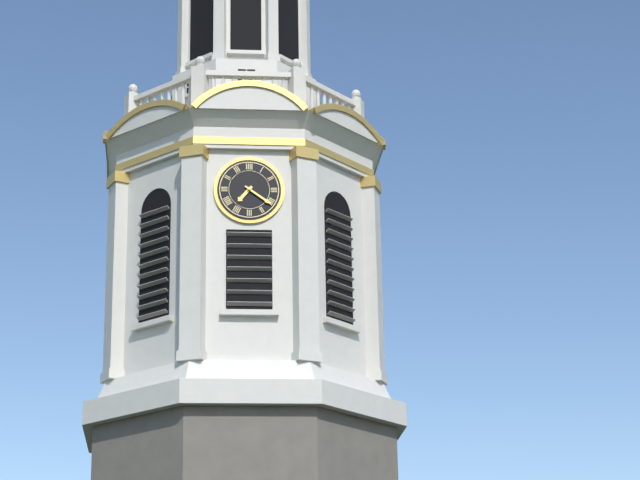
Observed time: 7h21
